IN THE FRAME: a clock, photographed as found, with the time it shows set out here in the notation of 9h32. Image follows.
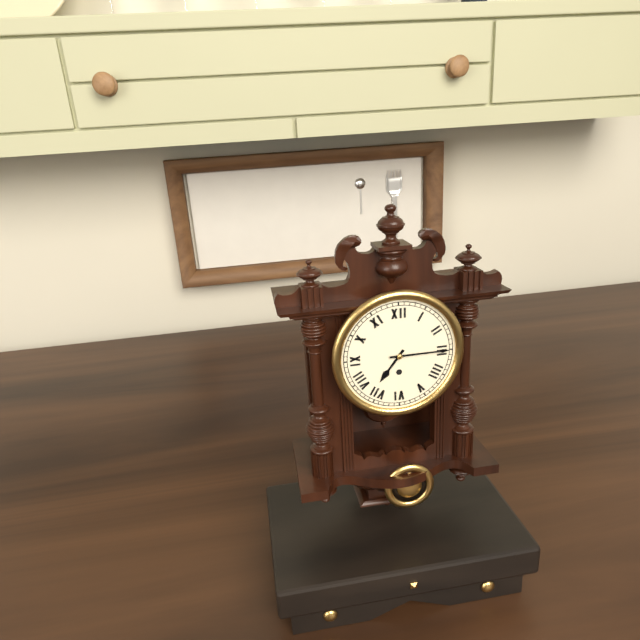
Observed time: 7h15
